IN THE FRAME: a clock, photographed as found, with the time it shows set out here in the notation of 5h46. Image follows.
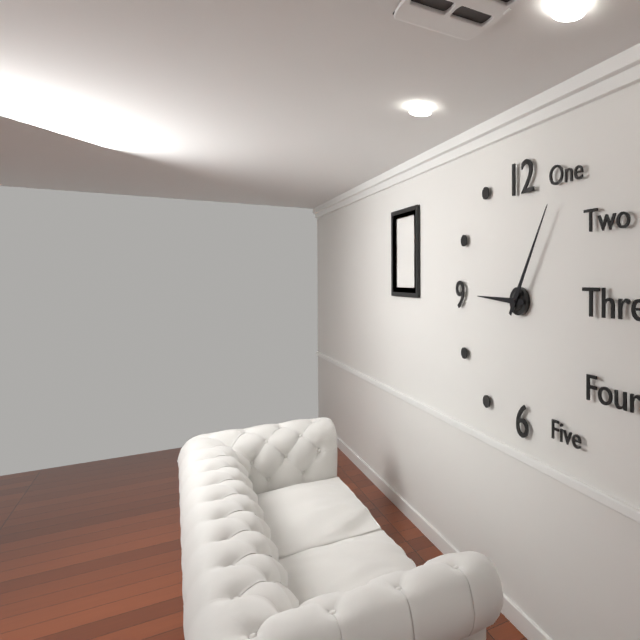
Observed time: 9h05
